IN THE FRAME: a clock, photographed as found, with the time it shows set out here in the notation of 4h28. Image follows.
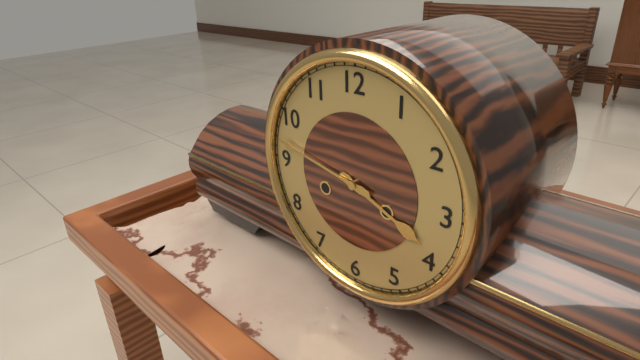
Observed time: 3h47
